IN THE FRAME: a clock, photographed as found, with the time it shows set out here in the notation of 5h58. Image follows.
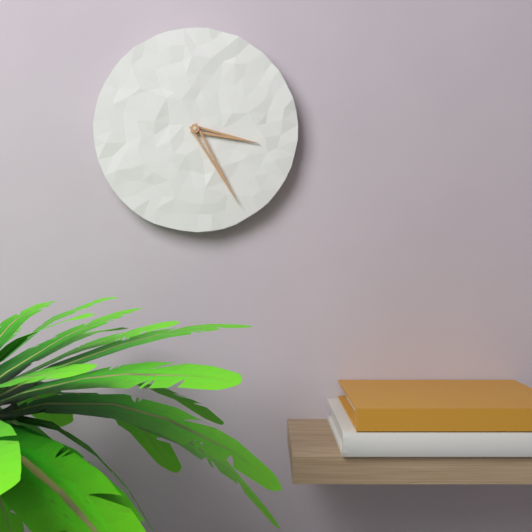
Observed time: 3h25
